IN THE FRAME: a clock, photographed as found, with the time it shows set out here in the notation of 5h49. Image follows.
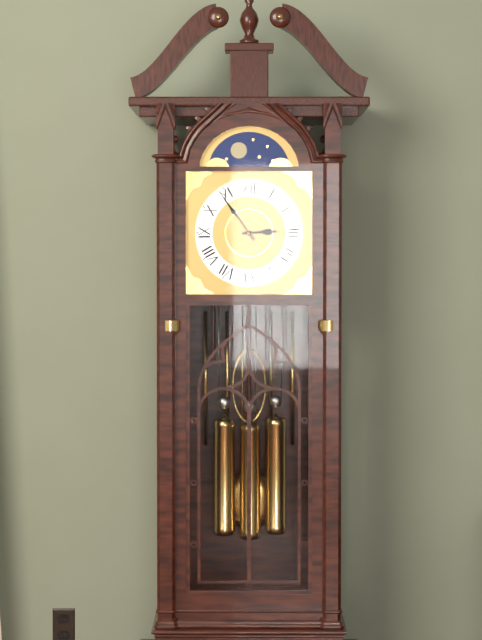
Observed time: 2h54
